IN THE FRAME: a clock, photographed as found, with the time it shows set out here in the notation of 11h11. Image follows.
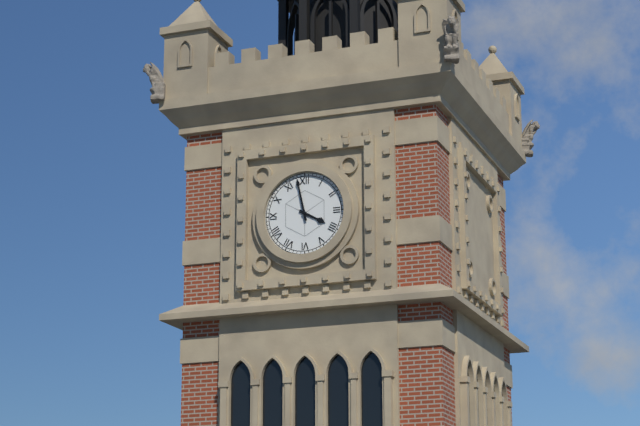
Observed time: 3h58
